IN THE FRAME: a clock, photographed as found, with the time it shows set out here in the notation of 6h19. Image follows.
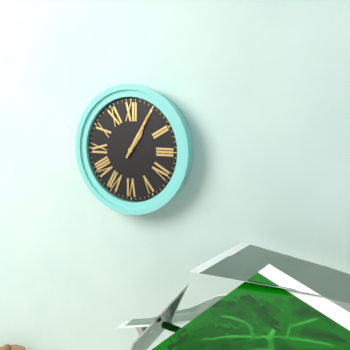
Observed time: 1h05
